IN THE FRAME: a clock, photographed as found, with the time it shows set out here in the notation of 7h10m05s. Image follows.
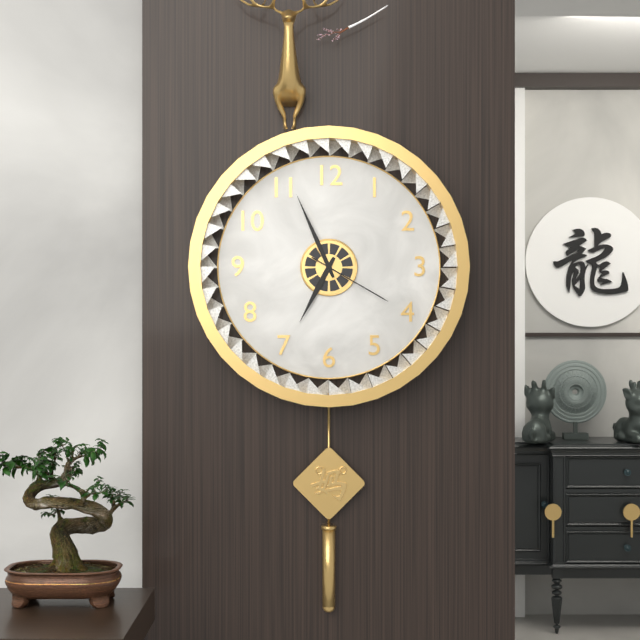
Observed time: 6h56m20s
